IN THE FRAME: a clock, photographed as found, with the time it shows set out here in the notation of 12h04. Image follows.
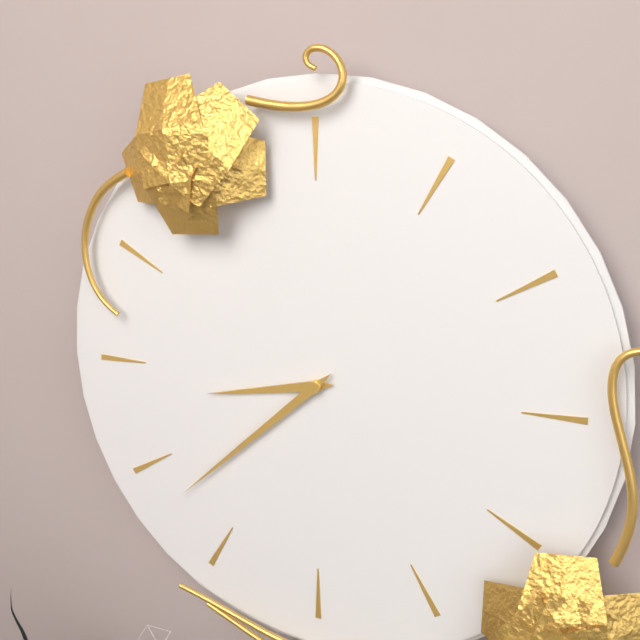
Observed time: 8h38
